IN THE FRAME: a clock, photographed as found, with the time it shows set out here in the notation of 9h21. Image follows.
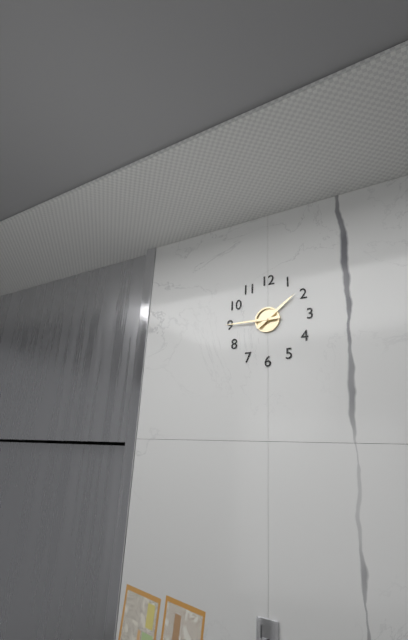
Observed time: 1h45
